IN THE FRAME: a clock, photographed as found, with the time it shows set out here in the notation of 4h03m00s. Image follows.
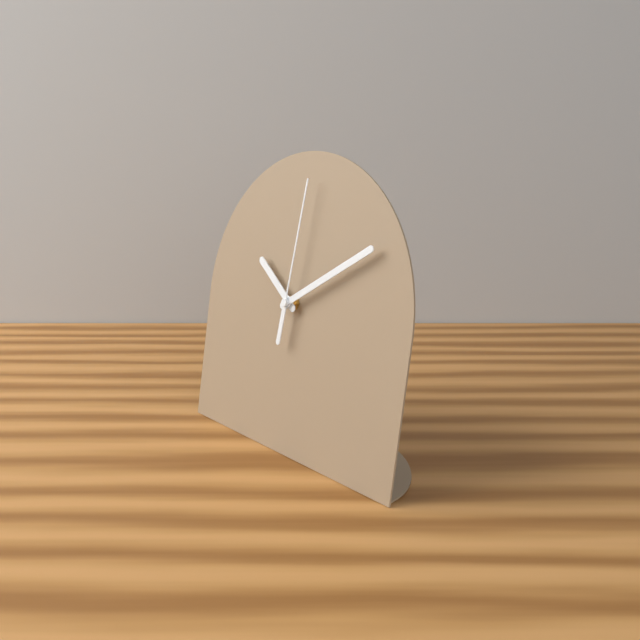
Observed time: 10h10m01s
